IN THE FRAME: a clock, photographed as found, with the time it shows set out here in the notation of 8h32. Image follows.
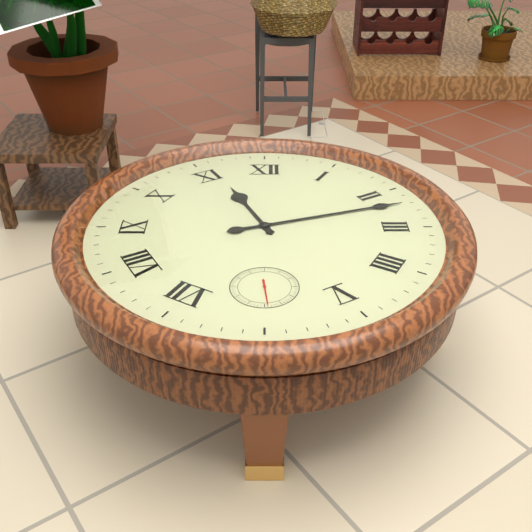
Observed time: 11h12
